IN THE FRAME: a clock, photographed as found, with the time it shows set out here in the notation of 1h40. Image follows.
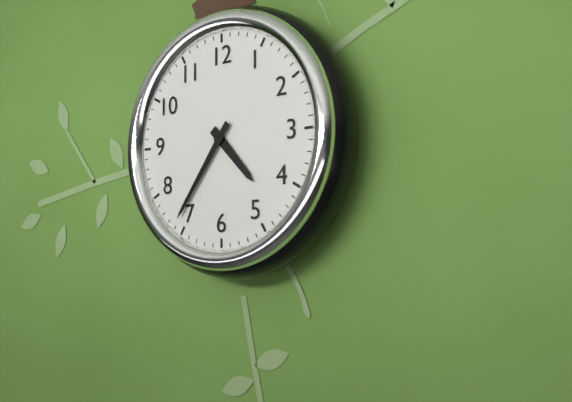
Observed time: 4h36
